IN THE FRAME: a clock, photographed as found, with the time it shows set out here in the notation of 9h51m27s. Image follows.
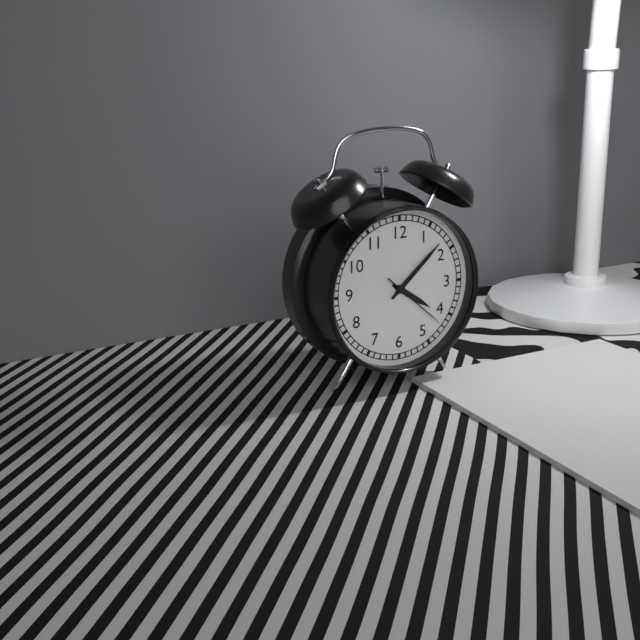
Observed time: 4h08m22s
